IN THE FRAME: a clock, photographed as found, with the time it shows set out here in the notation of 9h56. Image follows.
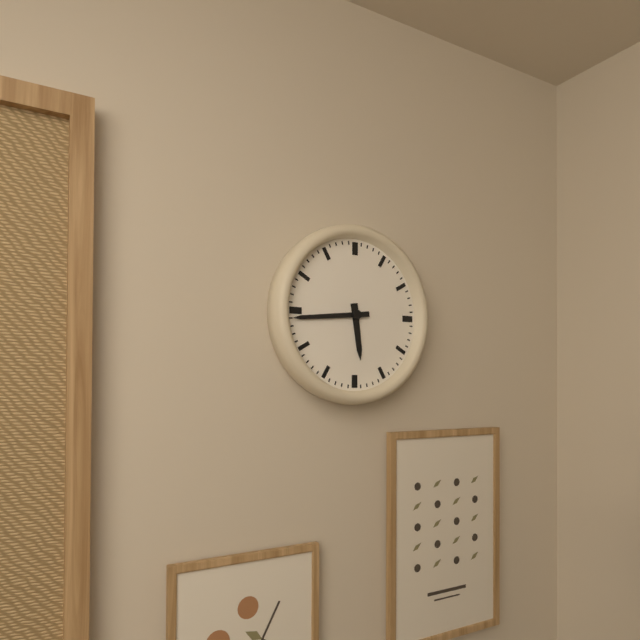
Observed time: 5h44
